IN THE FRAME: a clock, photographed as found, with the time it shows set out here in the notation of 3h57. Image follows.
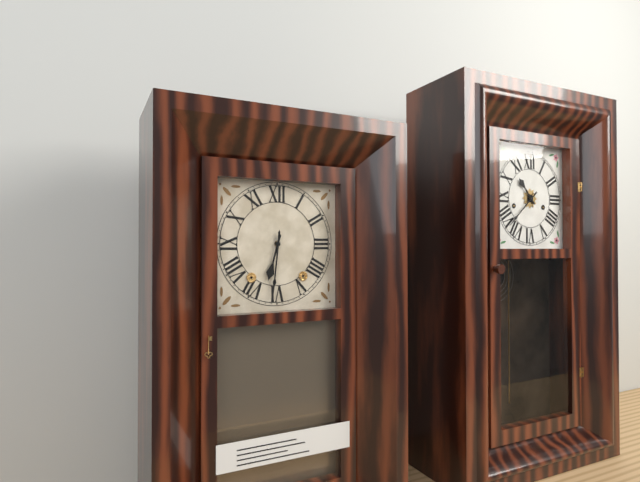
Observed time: 6h31
